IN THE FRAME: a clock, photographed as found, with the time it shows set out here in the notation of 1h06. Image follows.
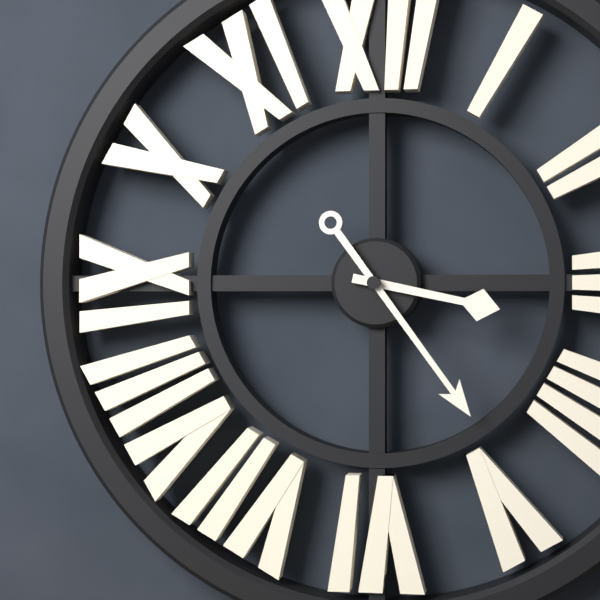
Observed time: 3h24
